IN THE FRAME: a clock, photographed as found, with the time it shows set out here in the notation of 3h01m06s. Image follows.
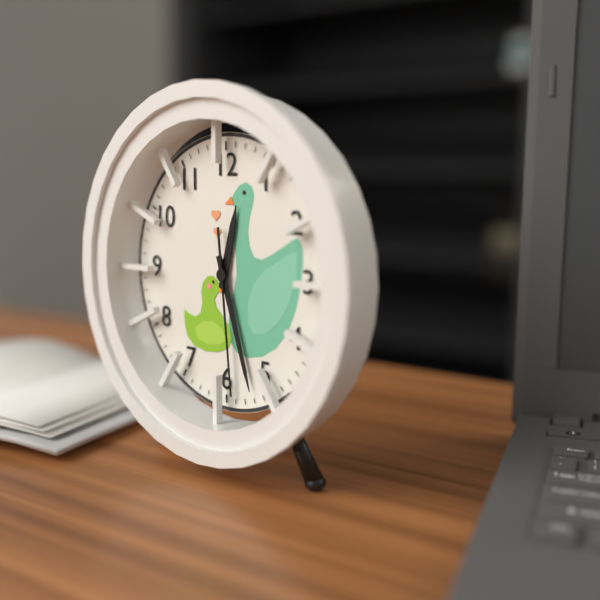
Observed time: 12h27m29s
